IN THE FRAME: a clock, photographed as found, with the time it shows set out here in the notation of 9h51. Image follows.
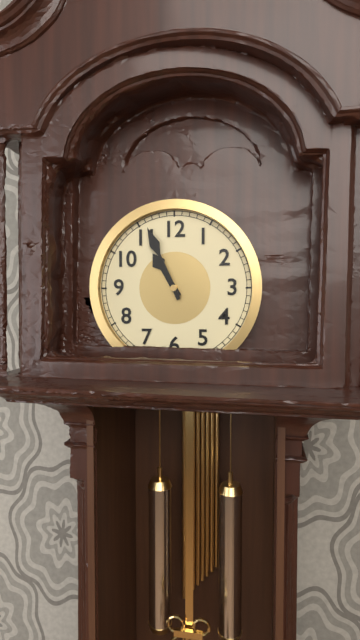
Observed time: 10h56
